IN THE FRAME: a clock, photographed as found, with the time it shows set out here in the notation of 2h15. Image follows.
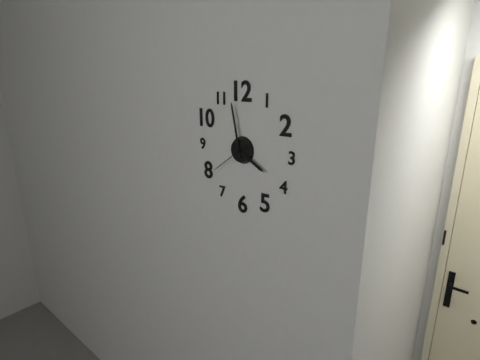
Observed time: 3h58
